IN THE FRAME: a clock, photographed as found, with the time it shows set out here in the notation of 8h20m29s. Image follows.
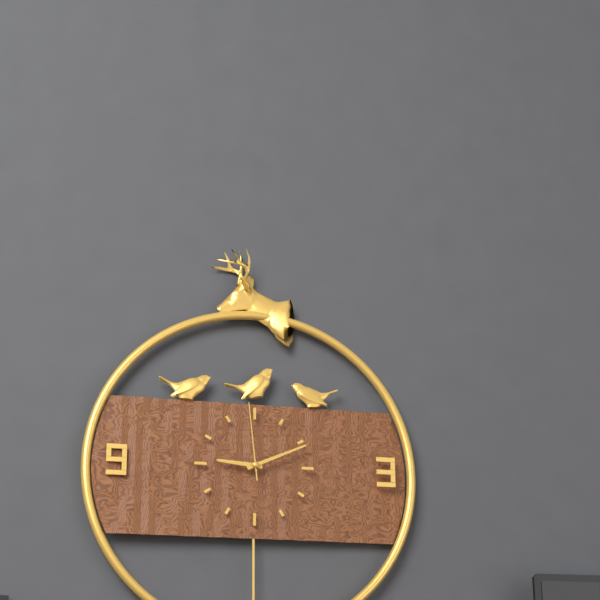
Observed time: 9h11m59s
